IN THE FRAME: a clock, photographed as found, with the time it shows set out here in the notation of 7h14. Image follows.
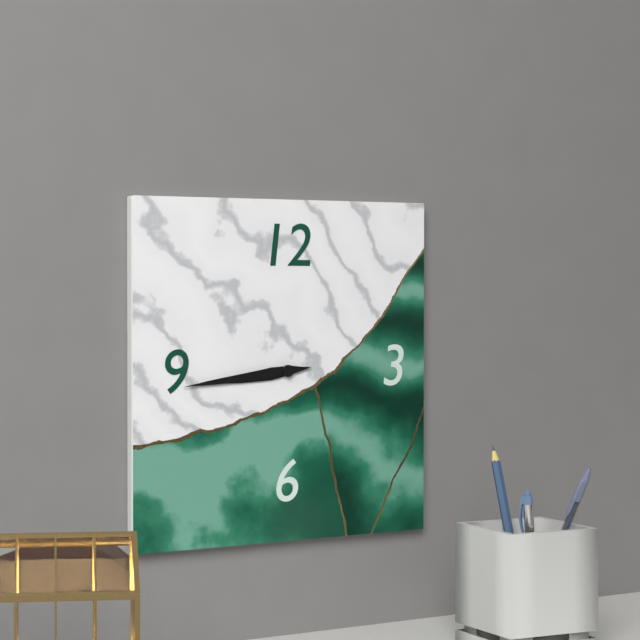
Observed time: 8h44
